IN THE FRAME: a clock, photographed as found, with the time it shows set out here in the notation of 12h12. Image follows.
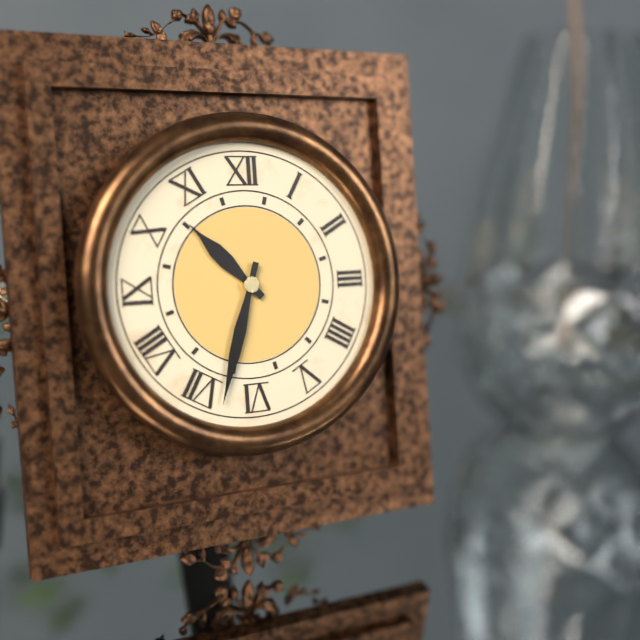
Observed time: 10h33
